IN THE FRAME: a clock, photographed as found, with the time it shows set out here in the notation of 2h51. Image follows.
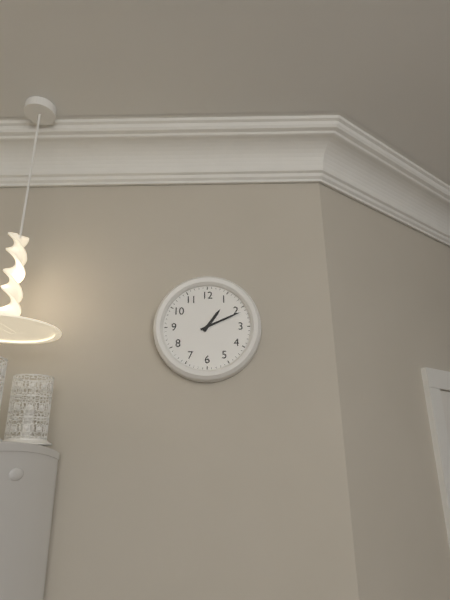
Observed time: 1h11
